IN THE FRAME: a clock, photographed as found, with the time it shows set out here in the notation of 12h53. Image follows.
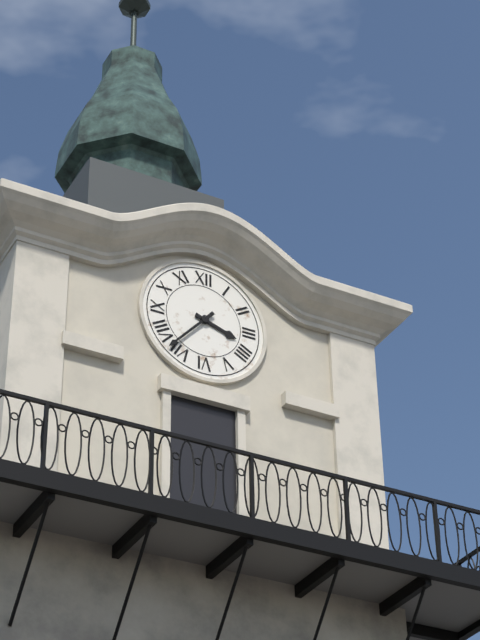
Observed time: 3h37
